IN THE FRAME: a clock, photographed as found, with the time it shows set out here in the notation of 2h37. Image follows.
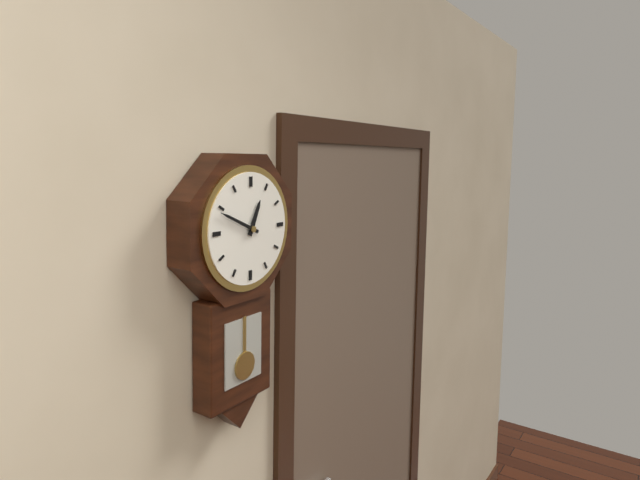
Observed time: 12h49
